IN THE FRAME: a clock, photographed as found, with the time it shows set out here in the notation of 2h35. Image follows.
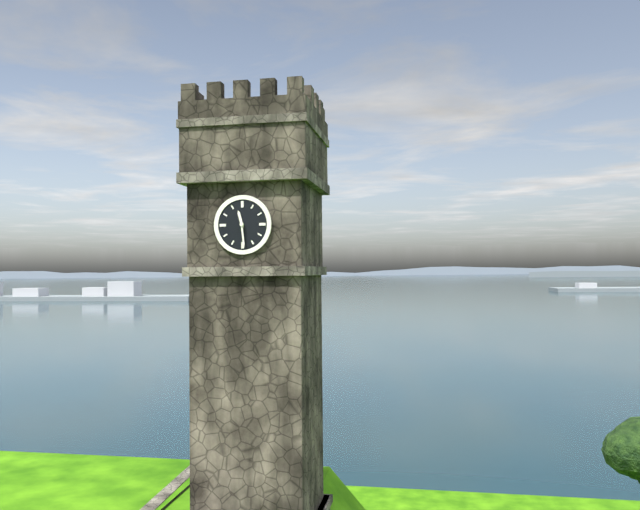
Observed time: 11h29
